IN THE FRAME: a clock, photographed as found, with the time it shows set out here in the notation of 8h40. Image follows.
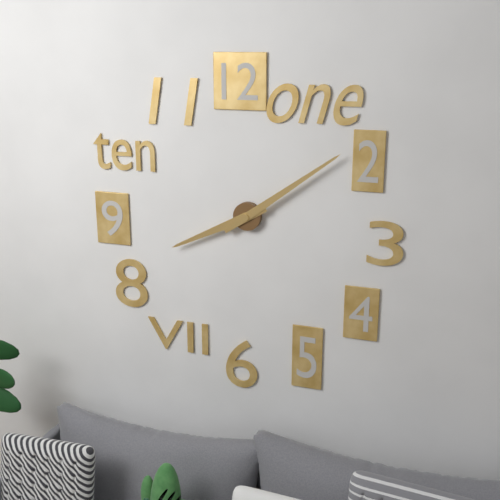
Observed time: 8h09
